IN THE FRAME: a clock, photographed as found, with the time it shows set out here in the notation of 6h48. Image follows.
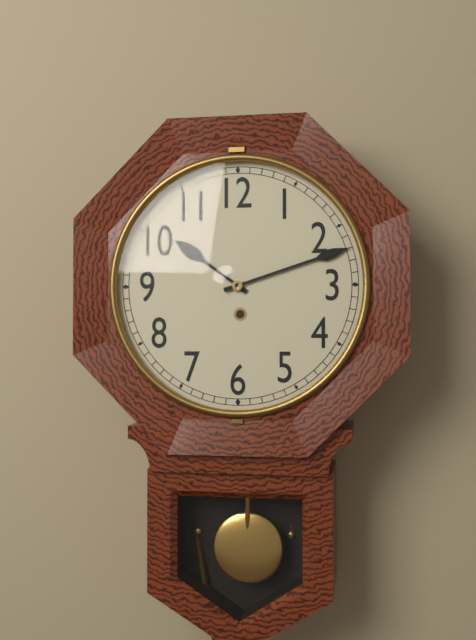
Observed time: 10h12
